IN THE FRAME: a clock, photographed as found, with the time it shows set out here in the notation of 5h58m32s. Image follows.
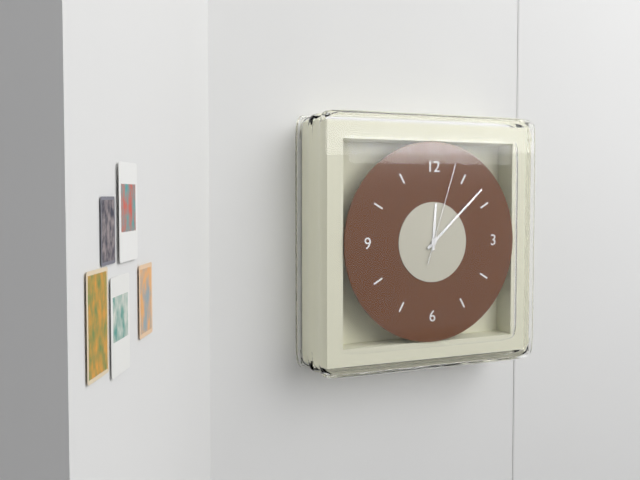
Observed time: 12h08m03s
